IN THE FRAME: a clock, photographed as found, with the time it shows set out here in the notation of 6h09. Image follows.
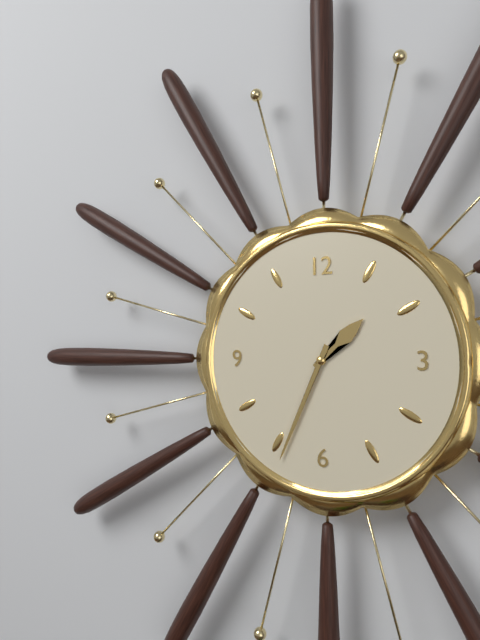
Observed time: 1h34
